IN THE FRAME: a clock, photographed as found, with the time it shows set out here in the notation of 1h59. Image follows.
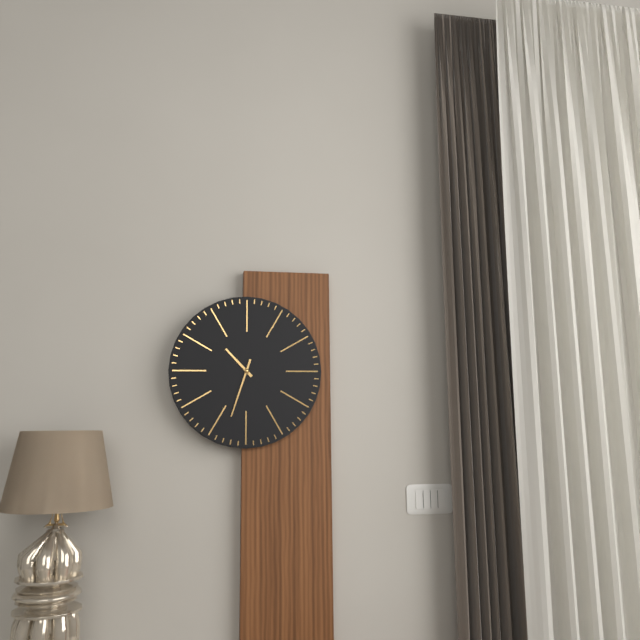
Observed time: 10h33
